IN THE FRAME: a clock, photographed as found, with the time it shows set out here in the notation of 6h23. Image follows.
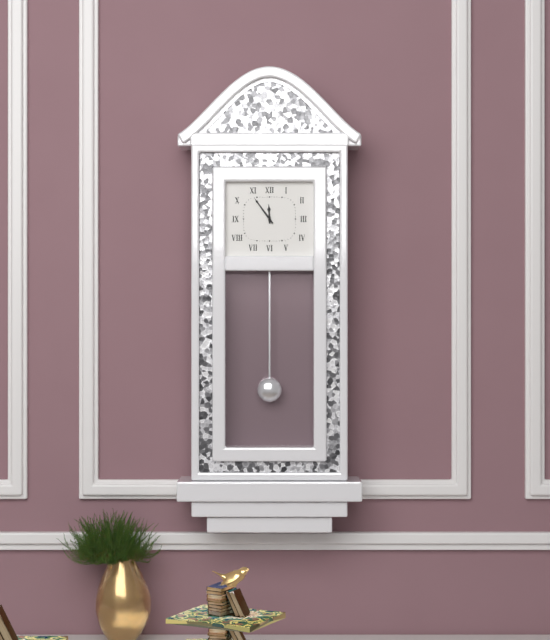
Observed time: 11h54
